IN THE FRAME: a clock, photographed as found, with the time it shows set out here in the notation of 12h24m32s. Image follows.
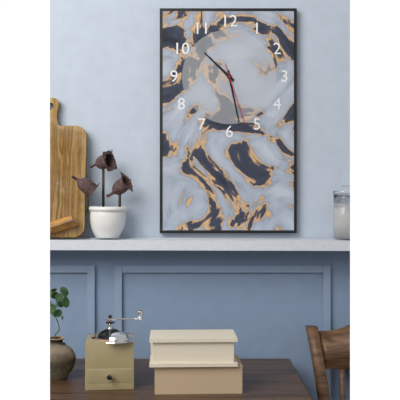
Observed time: 10h28m27s
